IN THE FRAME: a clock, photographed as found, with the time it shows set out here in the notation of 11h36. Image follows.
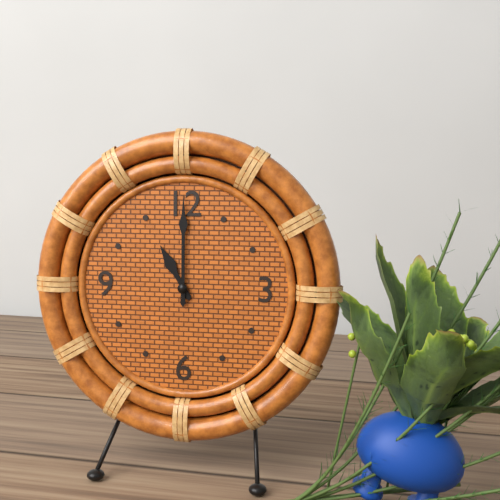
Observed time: 11h00
